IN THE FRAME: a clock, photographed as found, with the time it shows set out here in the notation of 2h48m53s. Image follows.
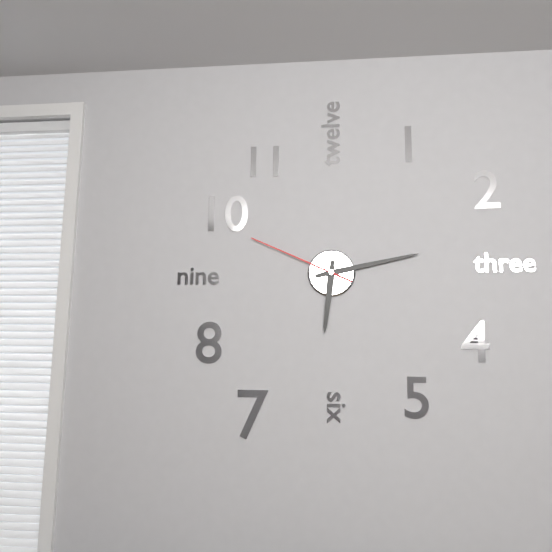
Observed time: 6h13m49s
